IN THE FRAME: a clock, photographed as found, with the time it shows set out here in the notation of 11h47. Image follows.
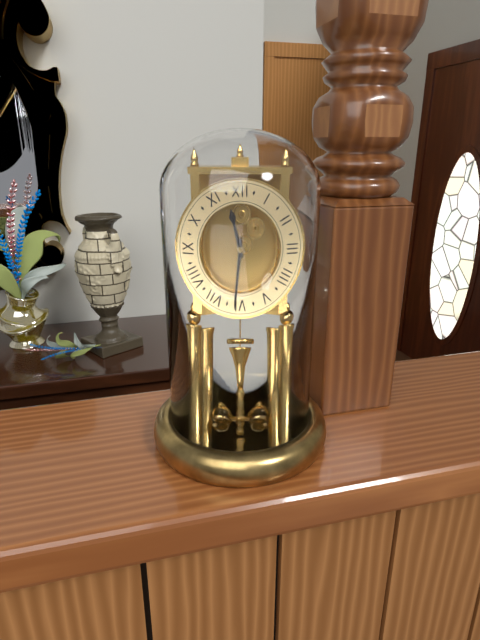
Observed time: 11h31
